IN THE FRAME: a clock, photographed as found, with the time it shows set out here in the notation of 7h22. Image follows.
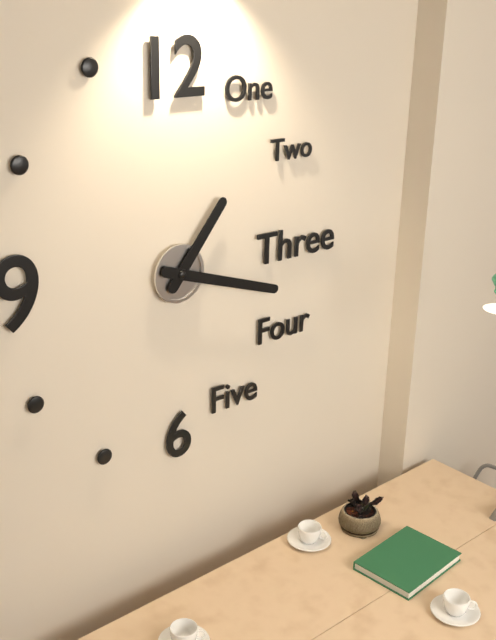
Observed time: 1h18
